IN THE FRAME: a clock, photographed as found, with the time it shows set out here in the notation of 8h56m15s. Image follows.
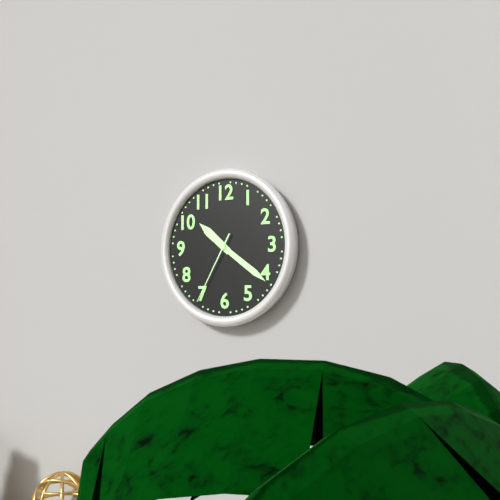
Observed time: 10h21m35s
